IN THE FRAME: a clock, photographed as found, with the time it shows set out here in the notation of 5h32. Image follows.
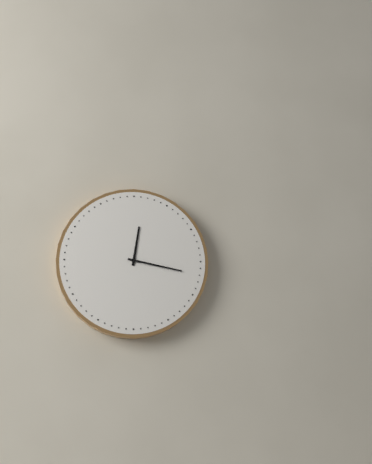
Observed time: 12h17
